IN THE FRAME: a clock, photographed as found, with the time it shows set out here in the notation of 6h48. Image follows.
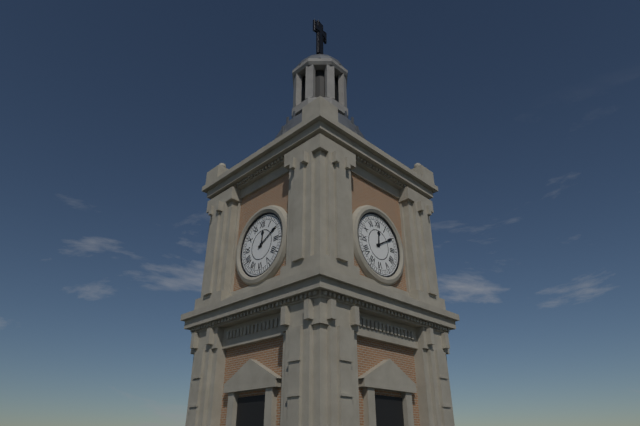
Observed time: 12h10
